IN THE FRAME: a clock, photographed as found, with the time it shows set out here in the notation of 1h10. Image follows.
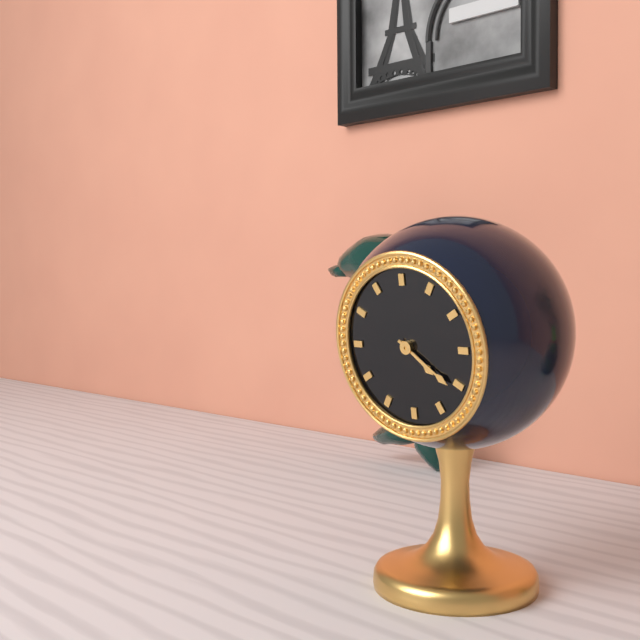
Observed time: 4h21
